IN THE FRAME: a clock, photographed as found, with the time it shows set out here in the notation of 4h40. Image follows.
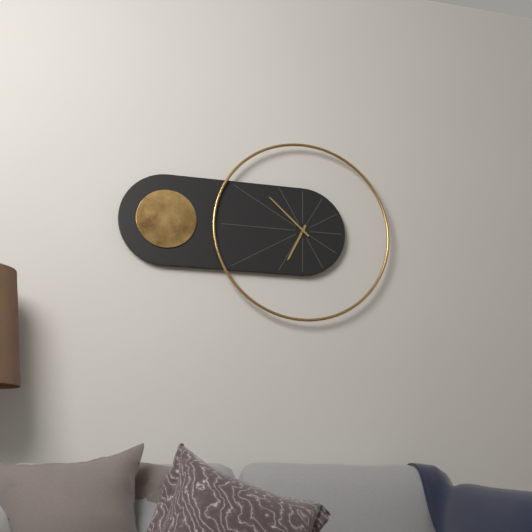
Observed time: 6h52
